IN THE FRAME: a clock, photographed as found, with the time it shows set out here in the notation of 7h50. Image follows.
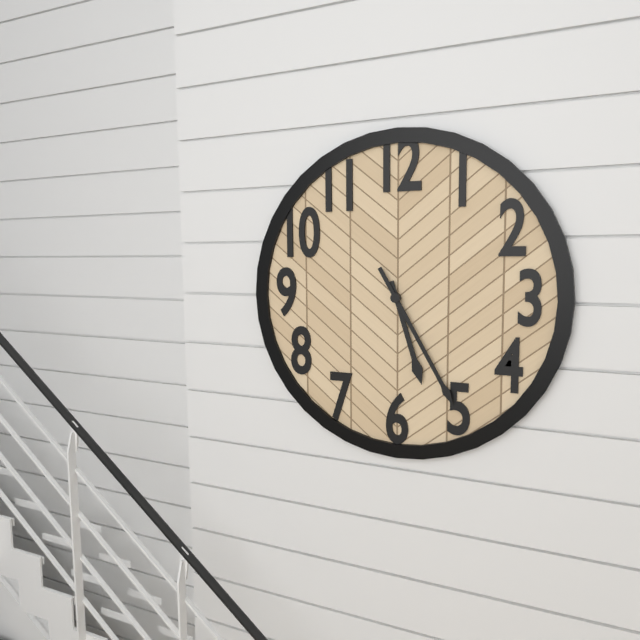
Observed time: 5h25
